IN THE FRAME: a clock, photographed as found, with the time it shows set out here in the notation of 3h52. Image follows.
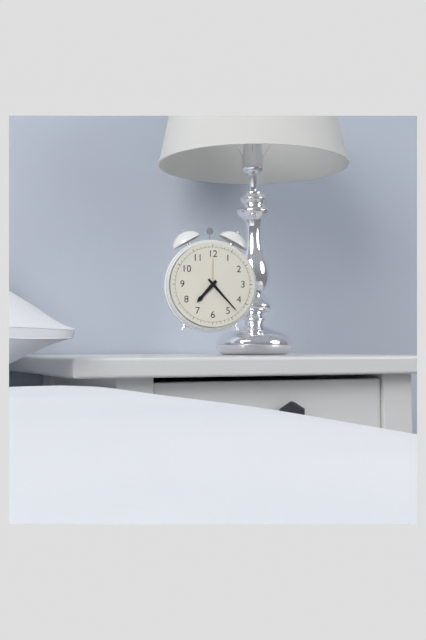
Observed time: 7h23
